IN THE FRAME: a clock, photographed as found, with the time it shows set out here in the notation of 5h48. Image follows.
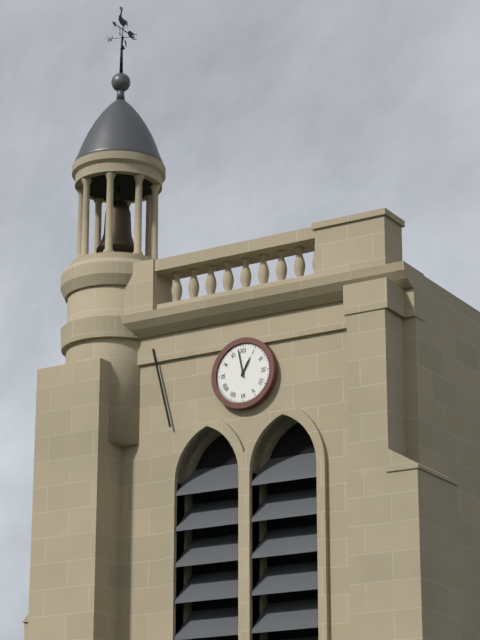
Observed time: 12h58
